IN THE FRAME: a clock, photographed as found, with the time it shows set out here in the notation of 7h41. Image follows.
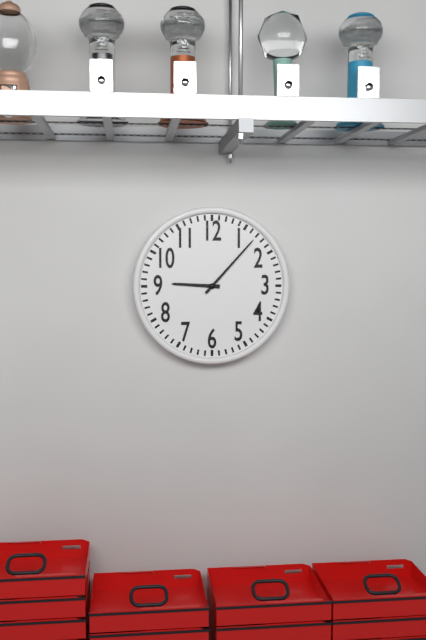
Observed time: 9h07
